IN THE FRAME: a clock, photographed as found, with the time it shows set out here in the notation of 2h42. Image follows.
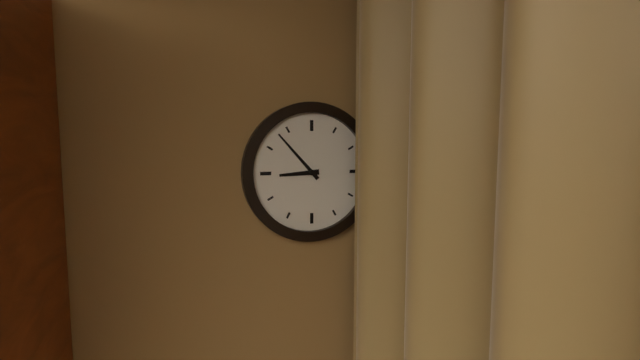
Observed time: 8h53
